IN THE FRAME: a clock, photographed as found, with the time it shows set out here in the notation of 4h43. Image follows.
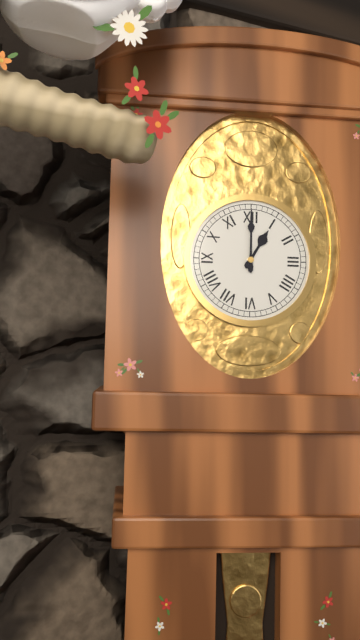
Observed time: 1h00
